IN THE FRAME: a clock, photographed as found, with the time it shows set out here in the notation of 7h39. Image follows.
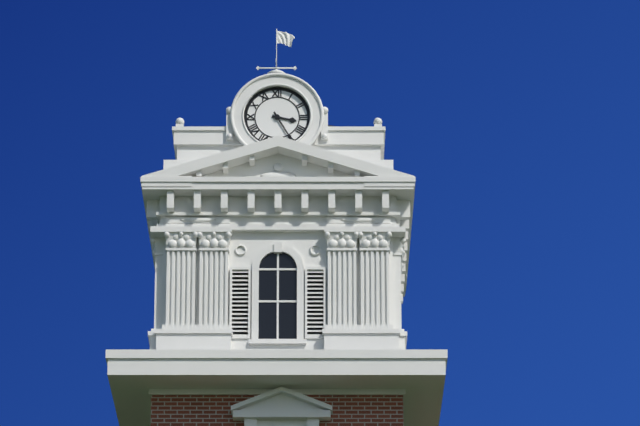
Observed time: 3h25
